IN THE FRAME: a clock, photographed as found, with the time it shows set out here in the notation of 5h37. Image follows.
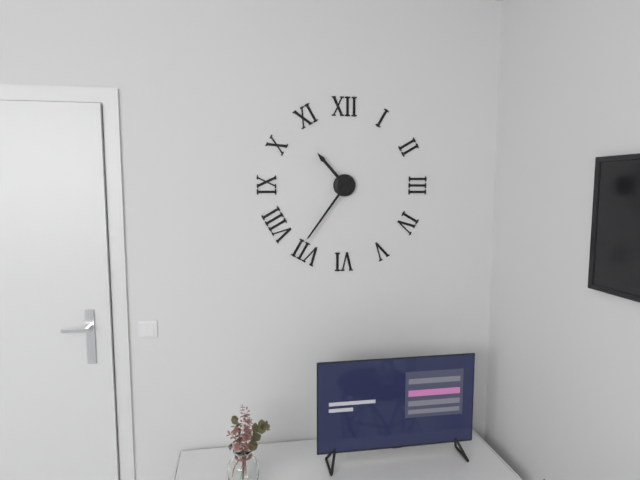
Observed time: 10h36
